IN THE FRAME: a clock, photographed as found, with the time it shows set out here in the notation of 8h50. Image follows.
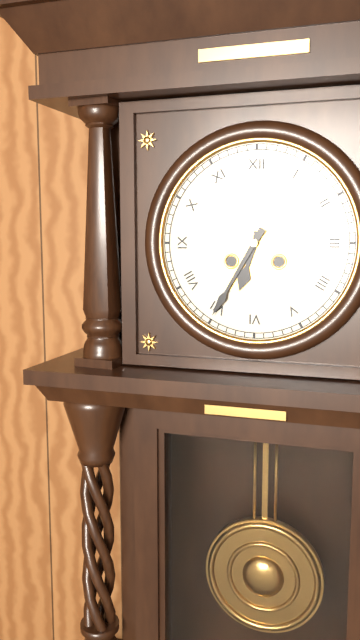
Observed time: 6h35
